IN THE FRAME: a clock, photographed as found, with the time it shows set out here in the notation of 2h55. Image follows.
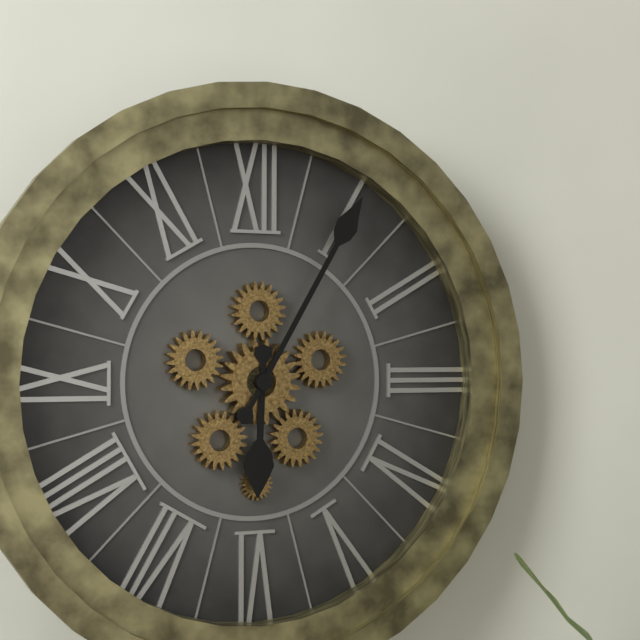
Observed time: 6h05
